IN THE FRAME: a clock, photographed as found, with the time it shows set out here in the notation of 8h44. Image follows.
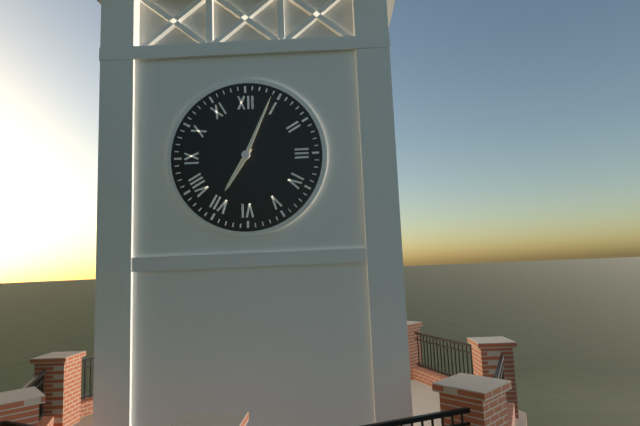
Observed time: 7h04
